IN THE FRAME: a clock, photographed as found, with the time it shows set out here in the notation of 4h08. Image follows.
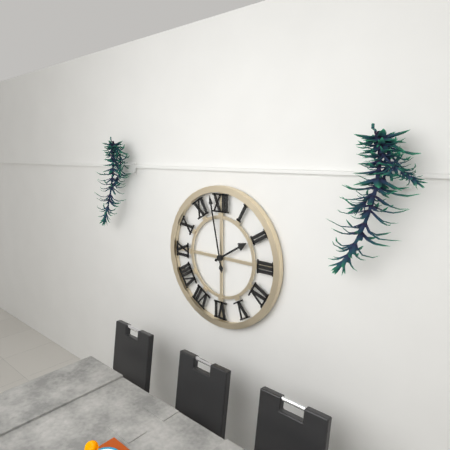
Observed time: 1h58
